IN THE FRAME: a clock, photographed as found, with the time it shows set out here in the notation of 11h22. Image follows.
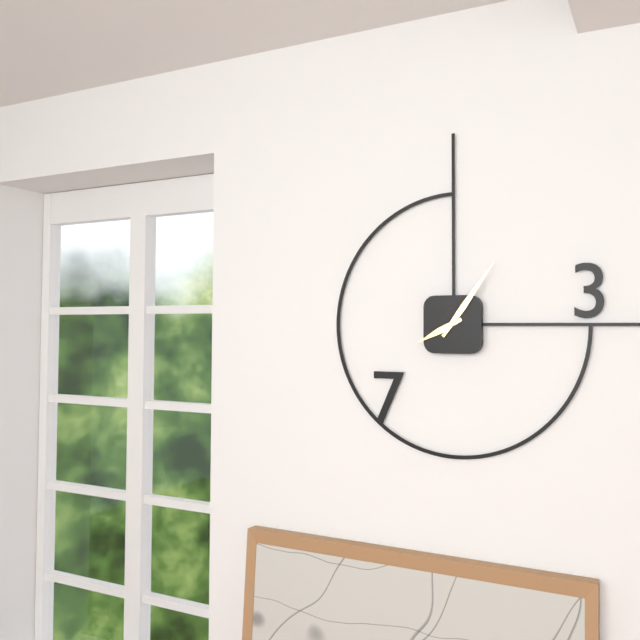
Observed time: 8h06
